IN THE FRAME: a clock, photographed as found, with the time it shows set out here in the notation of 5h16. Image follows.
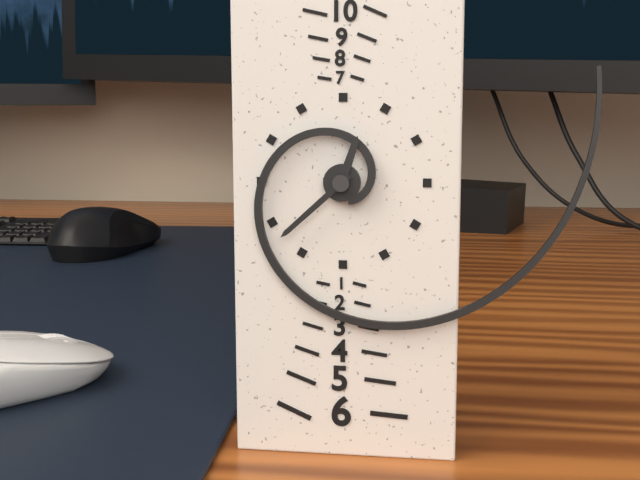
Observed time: 12h38
